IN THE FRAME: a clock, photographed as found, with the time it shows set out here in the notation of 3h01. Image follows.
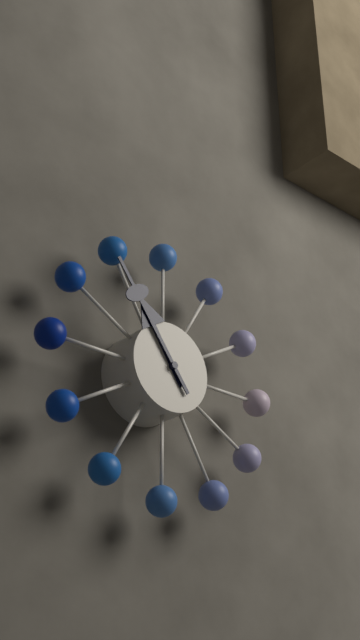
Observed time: 10h54
